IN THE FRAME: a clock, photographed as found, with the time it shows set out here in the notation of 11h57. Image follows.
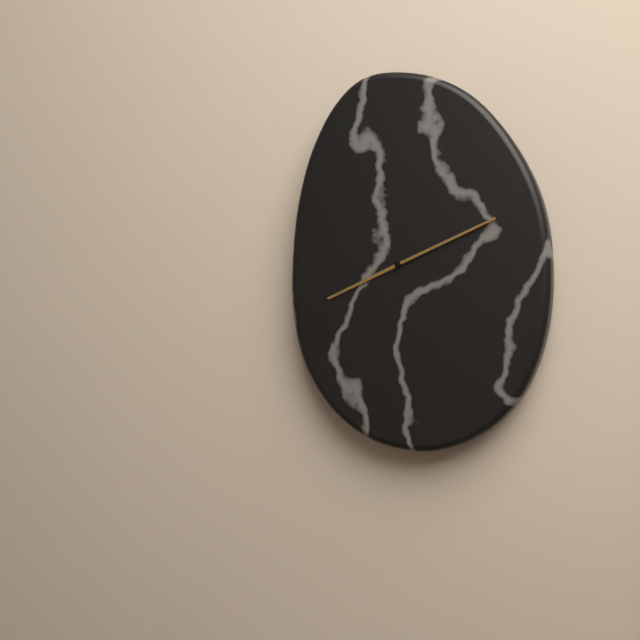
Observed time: 8h11
